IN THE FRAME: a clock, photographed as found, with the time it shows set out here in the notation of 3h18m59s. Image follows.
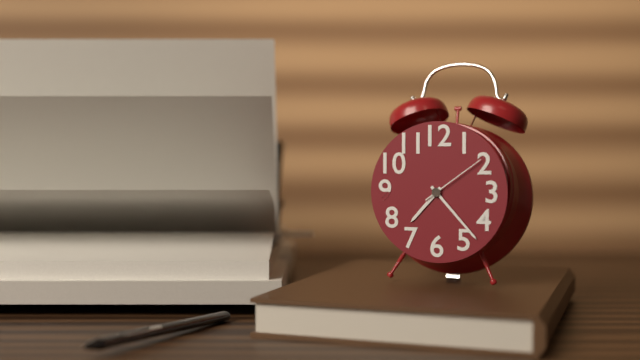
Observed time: 7h23m09s
